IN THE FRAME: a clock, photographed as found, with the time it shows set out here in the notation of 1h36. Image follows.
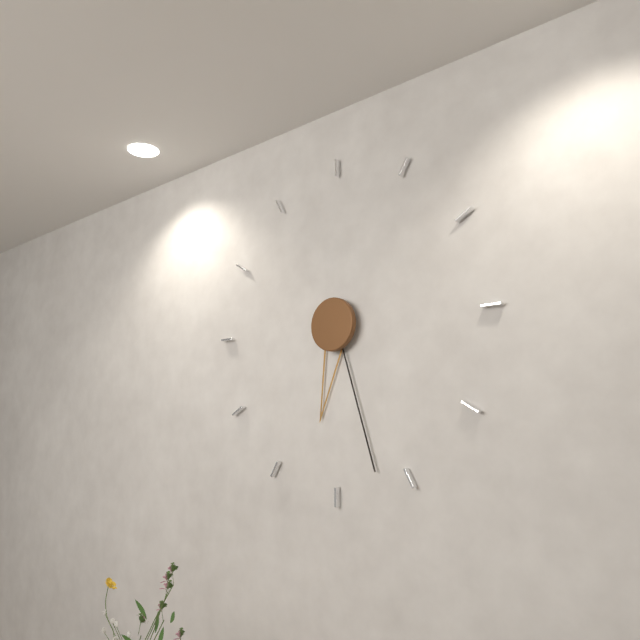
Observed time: 6h27
